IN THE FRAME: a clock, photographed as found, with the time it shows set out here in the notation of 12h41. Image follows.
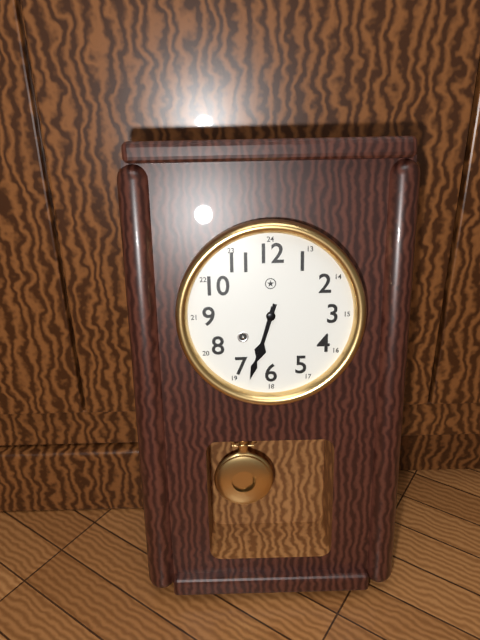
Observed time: 6h33
